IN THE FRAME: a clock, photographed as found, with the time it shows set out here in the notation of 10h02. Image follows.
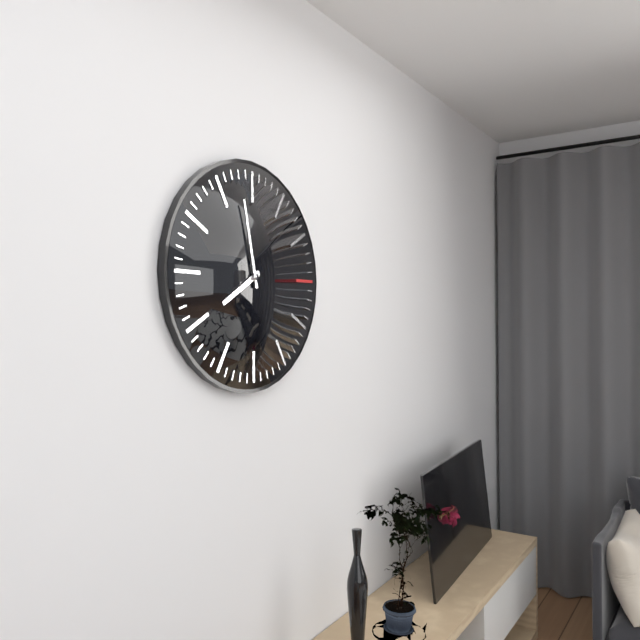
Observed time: 7h58
